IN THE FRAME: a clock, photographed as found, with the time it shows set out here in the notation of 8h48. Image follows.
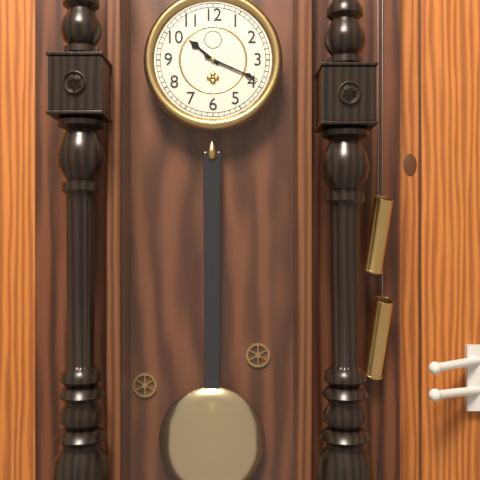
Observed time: 10h19
